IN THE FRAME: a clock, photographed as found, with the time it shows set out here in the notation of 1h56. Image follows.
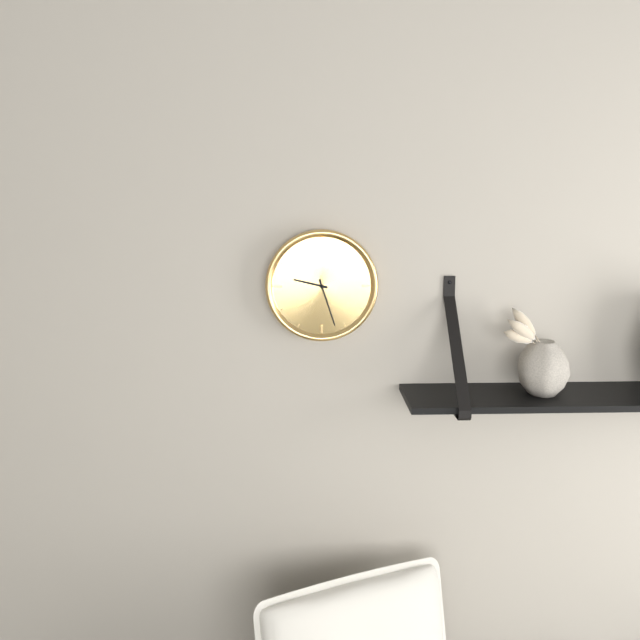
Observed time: 9h27
